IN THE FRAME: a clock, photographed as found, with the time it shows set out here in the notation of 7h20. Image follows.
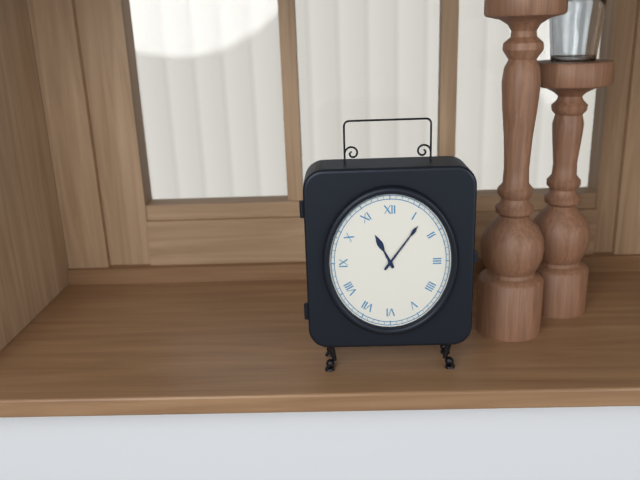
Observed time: 11h06
